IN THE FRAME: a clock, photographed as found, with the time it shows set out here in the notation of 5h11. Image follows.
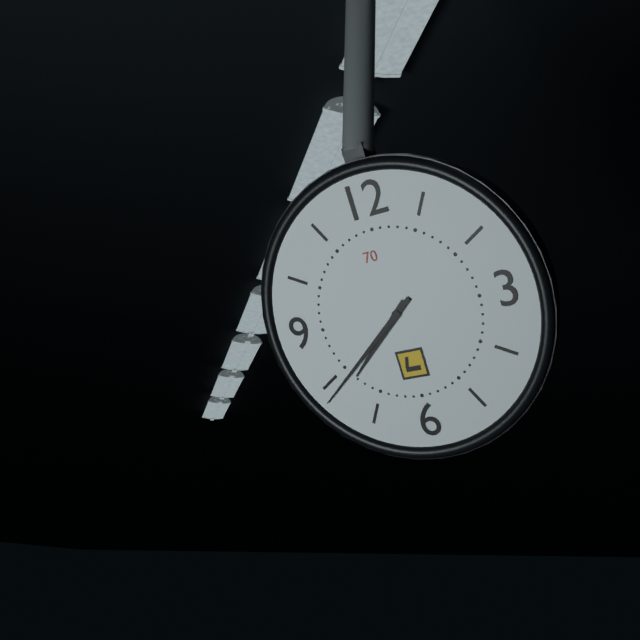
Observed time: 7h39
